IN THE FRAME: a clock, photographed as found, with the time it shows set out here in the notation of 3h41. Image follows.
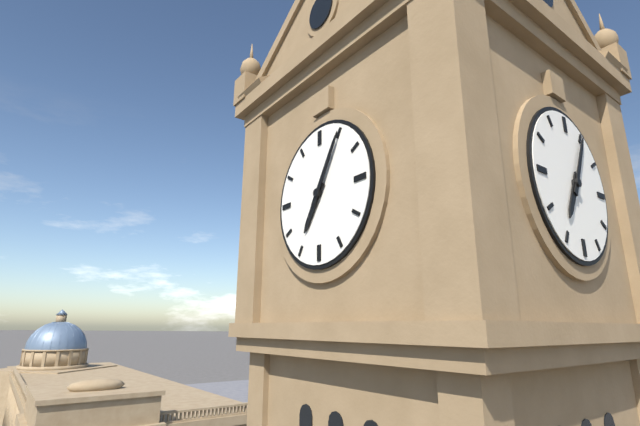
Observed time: 7h05
